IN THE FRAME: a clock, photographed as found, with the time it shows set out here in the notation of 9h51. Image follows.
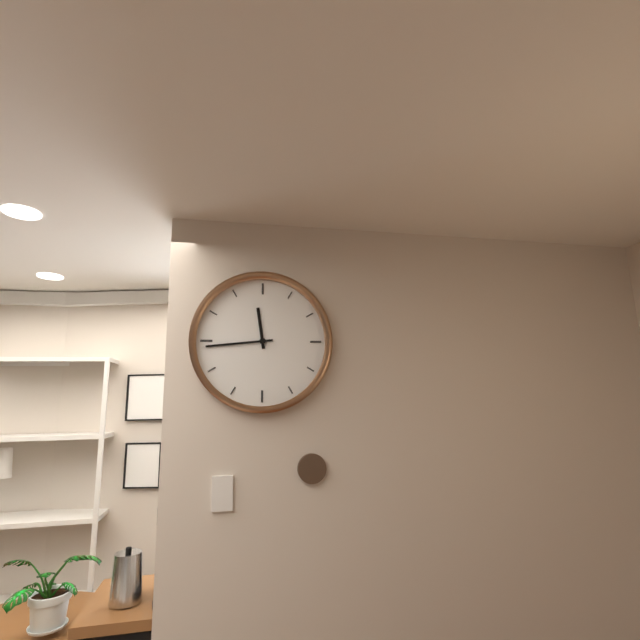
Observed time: 11h44
